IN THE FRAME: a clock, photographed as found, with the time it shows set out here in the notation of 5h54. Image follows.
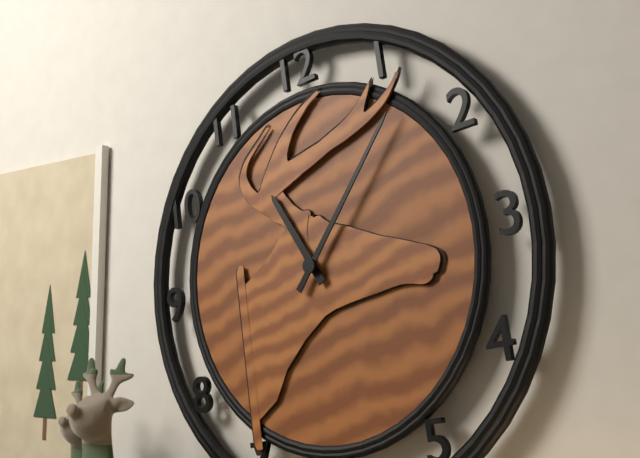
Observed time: 11h07
